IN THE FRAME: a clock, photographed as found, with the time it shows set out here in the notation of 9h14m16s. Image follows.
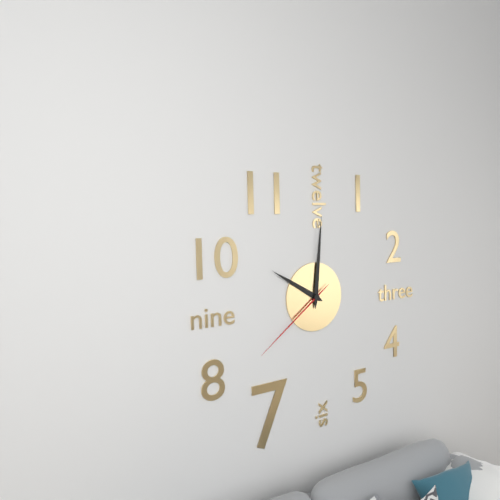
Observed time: 10h01m39s
